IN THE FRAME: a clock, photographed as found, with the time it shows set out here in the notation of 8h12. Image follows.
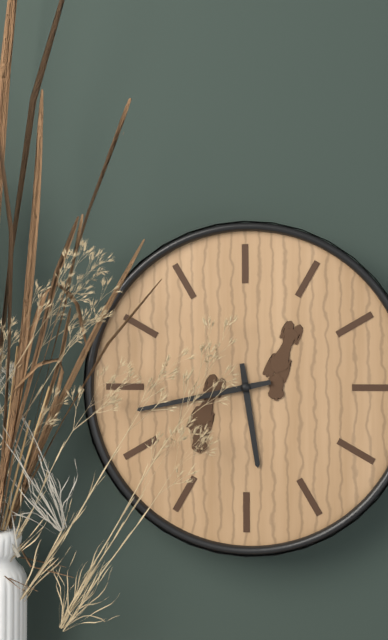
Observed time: 5h43
